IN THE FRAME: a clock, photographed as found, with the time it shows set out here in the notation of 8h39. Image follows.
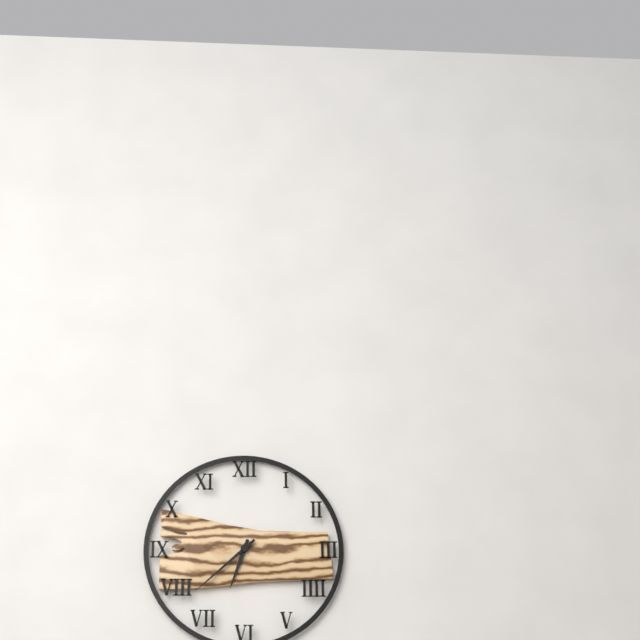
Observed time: 6h38
